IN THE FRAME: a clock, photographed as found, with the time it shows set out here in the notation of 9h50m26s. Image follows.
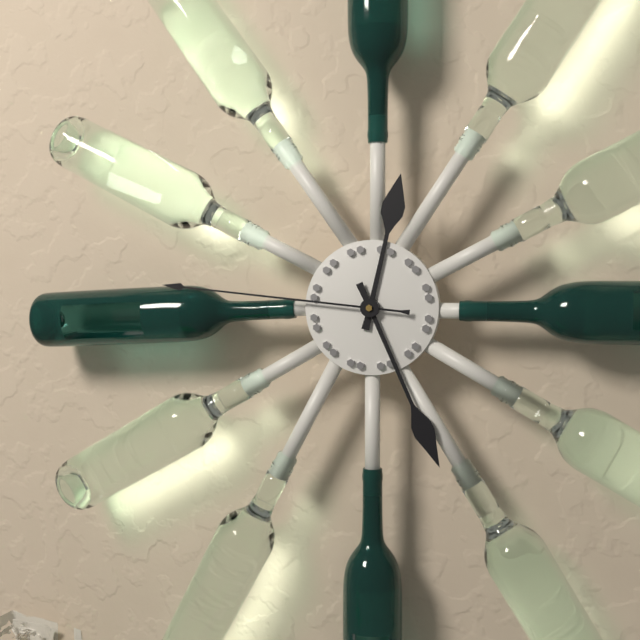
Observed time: 12h26m46s
